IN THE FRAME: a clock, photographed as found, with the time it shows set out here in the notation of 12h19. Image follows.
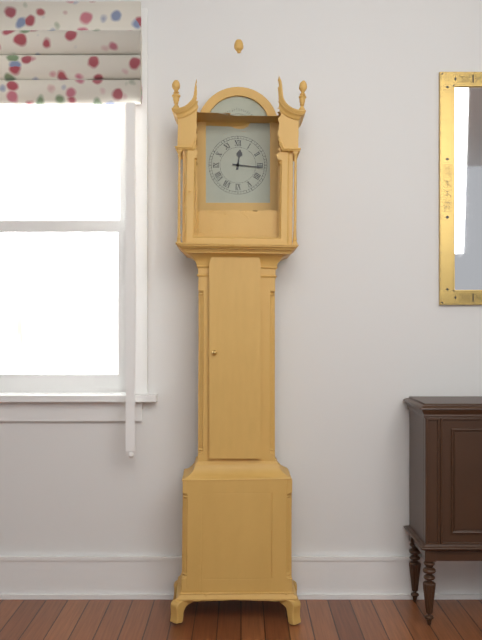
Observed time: 12h16
